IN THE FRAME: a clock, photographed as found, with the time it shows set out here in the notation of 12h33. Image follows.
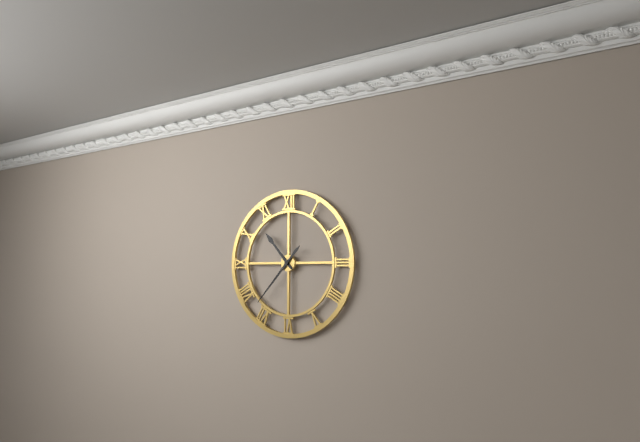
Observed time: 10h37
